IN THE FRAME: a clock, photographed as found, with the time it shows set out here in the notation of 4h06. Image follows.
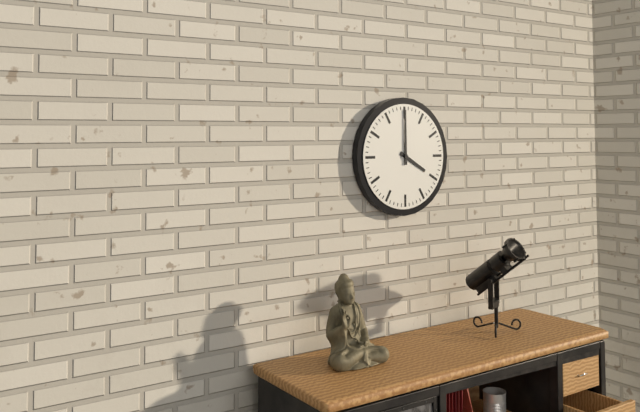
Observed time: 4h00
